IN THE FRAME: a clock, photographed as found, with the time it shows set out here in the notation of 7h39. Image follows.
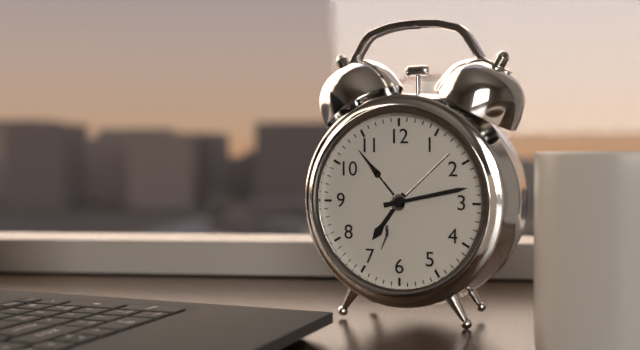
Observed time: 7h13
